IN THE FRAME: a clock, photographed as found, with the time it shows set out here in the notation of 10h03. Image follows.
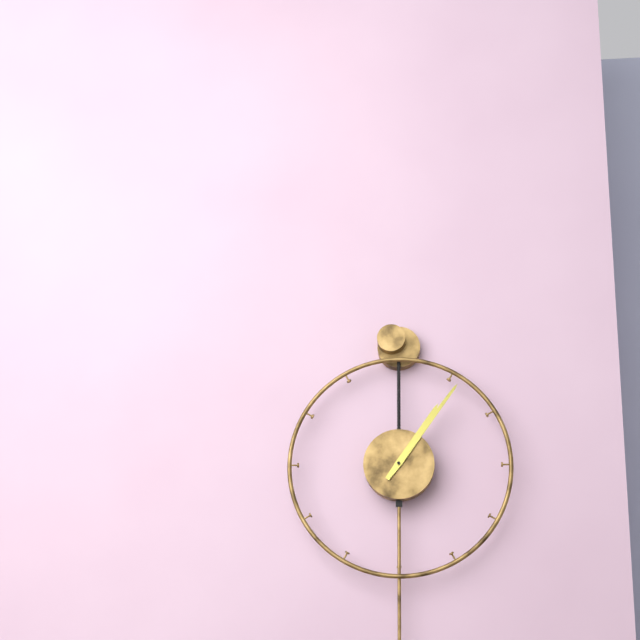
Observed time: 1h06
